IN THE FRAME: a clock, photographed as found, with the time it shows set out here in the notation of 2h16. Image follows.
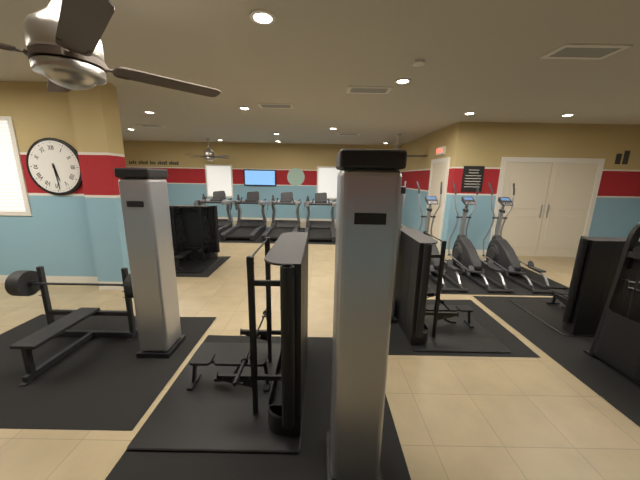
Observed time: 5h29
